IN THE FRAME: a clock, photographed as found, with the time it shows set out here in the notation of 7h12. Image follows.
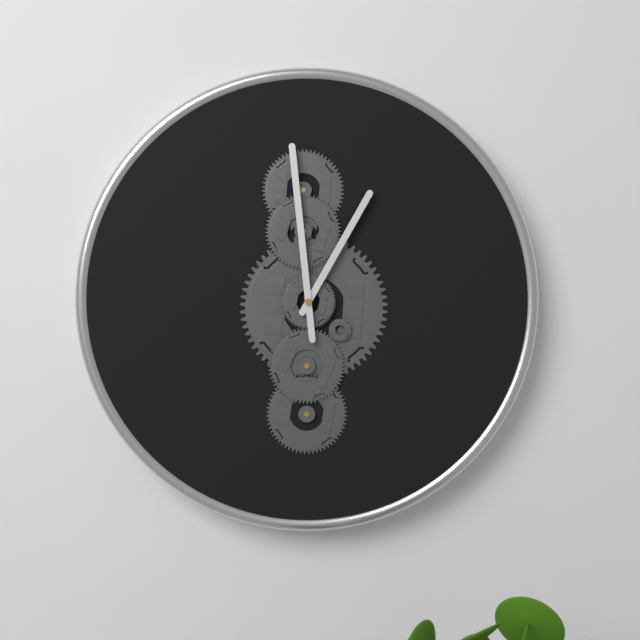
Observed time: 12h59
